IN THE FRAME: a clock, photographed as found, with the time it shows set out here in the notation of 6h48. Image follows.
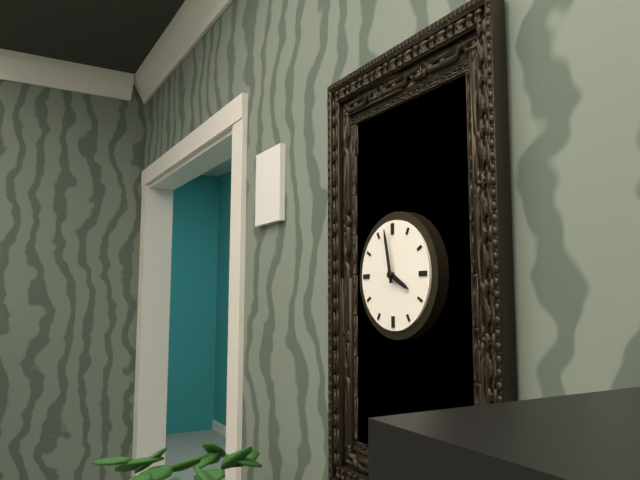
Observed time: 3h58
